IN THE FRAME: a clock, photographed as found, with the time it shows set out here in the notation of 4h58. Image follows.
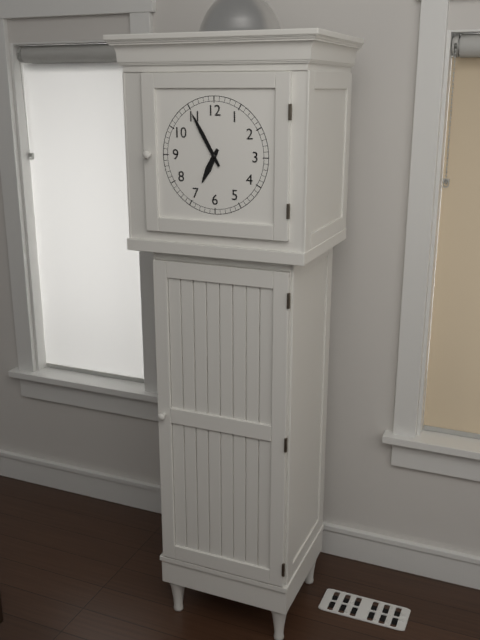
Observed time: 6h55
